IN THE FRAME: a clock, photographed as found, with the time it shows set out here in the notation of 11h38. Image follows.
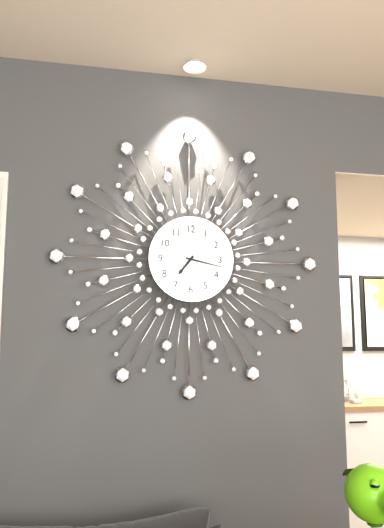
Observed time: 7h17
